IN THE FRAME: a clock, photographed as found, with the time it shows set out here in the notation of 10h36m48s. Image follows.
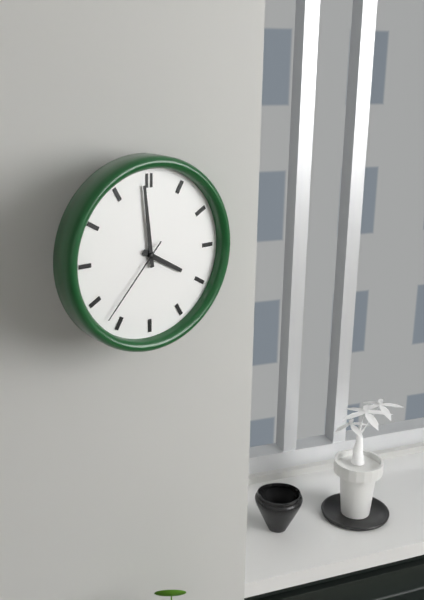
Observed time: 3h59m37s
